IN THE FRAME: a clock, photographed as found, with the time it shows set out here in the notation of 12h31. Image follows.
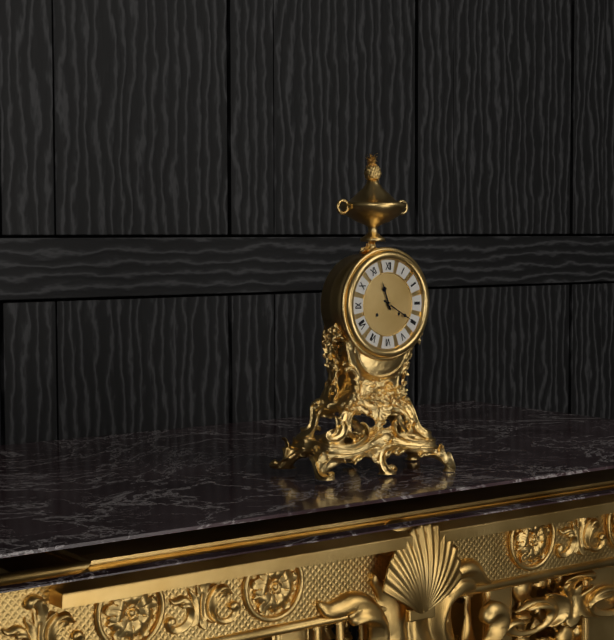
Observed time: 11h20
